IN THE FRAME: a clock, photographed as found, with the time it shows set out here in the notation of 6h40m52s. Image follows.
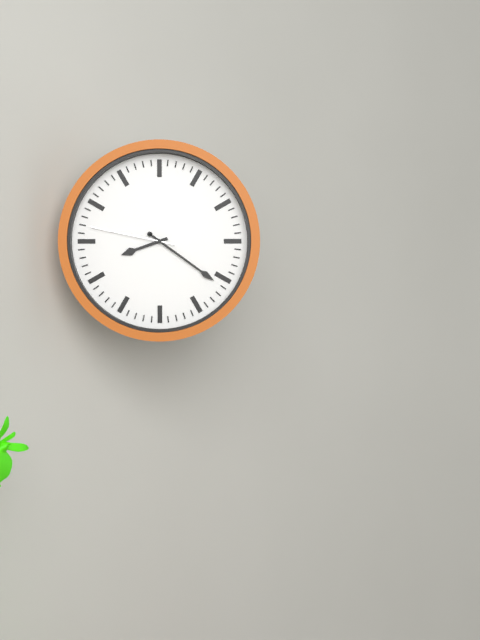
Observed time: 8h21m47s
